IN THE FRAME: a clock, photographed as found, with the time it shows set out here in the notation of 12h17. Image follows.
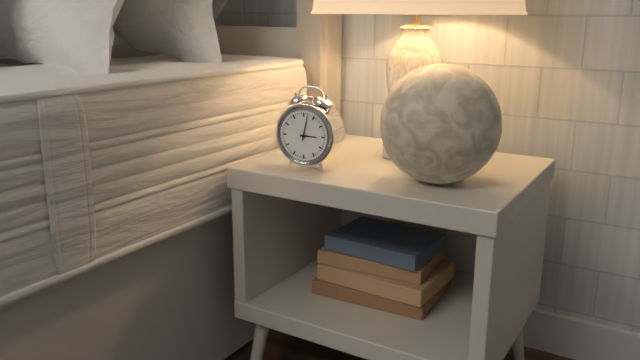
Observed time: 3h02
